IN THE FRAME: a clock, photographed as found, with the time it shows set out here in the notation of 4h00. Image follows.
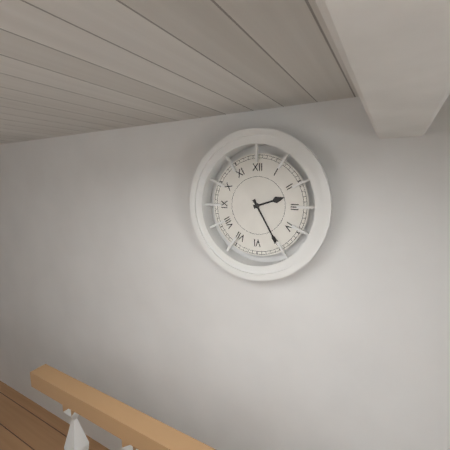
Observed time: 2h25
